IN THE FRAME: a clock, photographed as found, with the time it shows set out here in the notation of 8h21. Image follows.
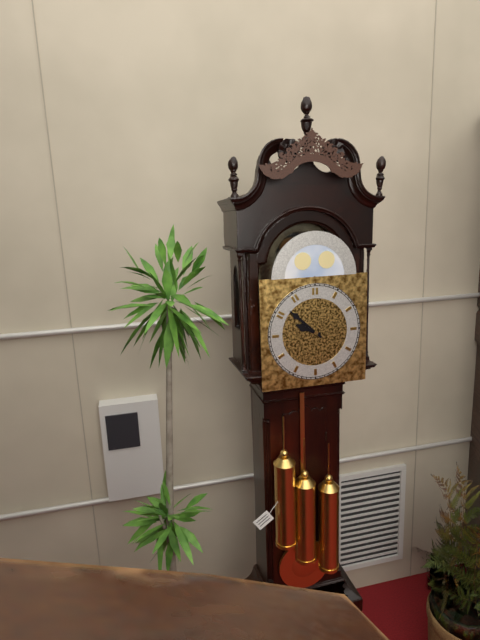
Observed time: 9h52
